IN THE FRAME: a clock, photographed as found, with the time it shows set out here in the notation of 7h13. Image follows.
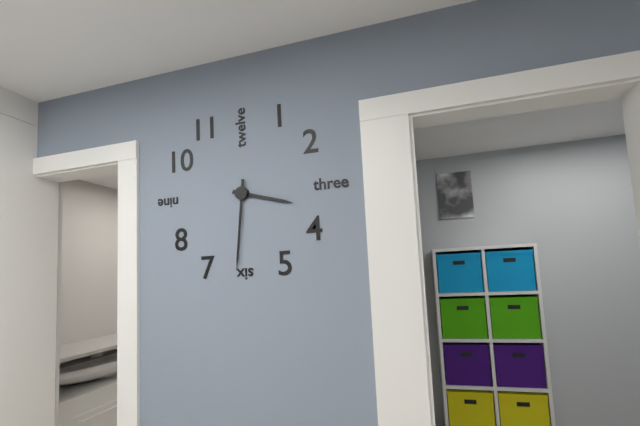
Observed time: 3h31
